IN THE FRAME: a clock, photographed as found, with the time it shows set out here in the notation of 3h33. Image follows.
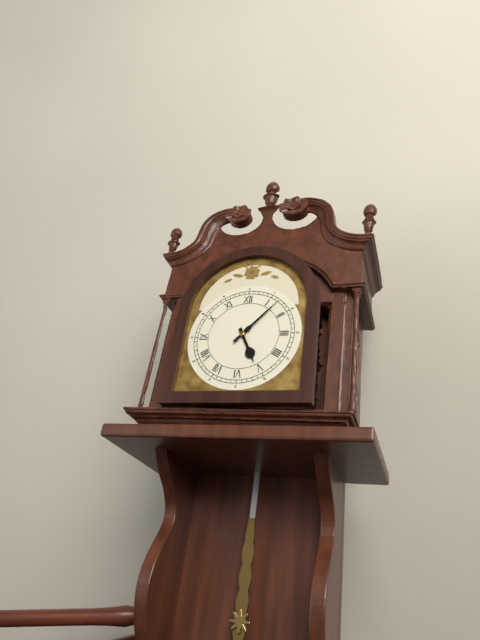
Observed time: 5h07
